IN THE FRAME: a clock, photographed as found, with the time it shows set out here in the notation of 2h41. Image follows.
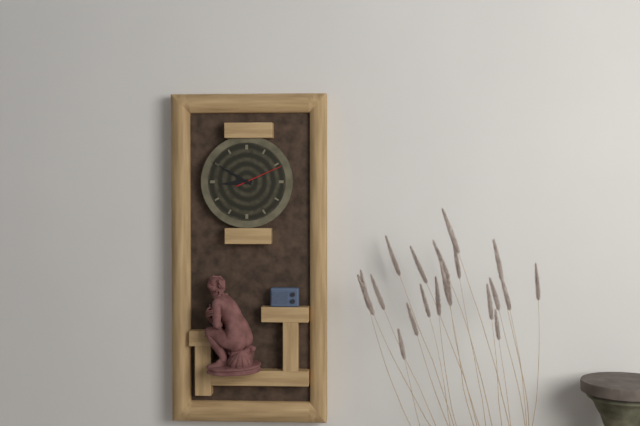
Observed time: 8h50
